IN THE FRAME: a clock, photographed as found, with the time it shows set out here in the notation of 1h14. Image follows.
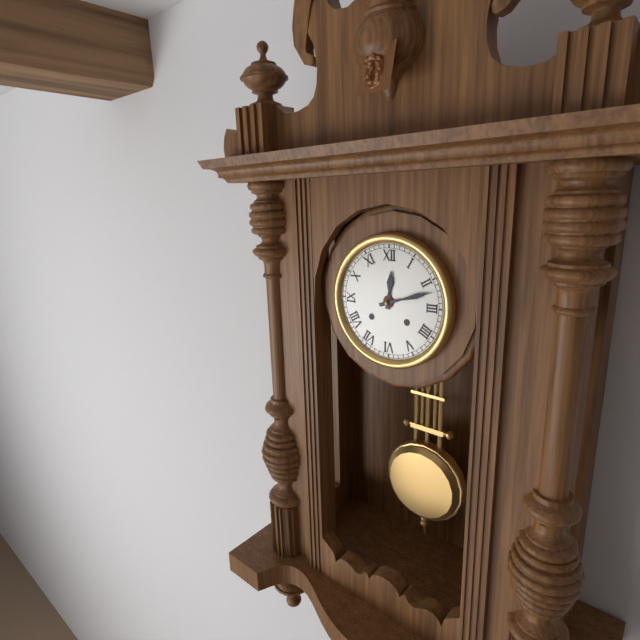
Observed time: 12h12
